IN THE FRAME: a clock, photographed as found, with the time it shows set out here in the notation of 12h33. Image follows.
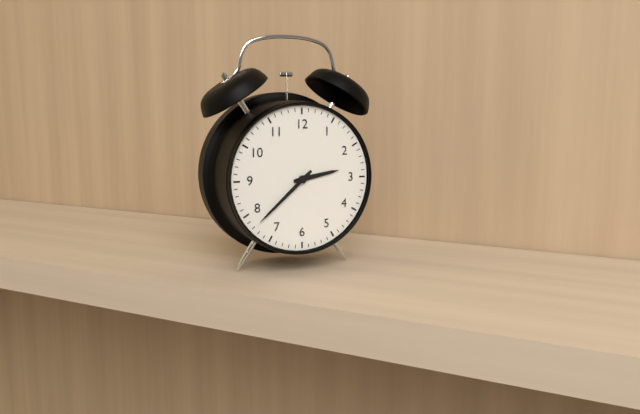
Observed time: 2h38
